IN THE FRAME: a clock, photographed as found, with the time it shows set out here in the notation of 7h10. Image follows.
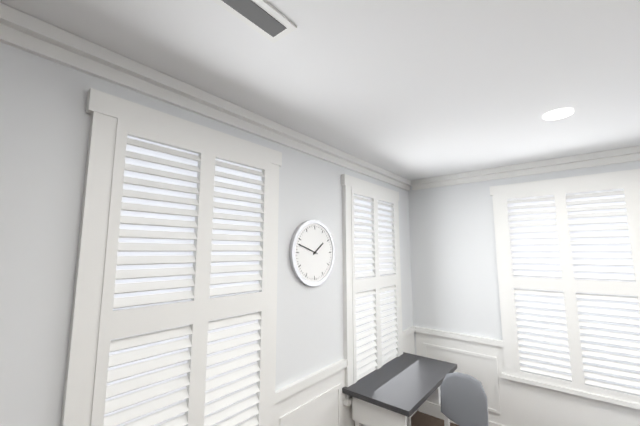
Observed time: 1h48
